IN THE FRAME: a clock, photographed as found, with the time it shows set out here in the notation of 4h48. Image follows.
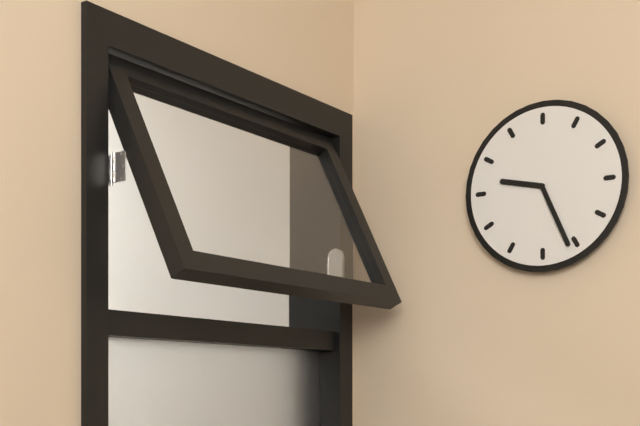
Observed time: 9h26
